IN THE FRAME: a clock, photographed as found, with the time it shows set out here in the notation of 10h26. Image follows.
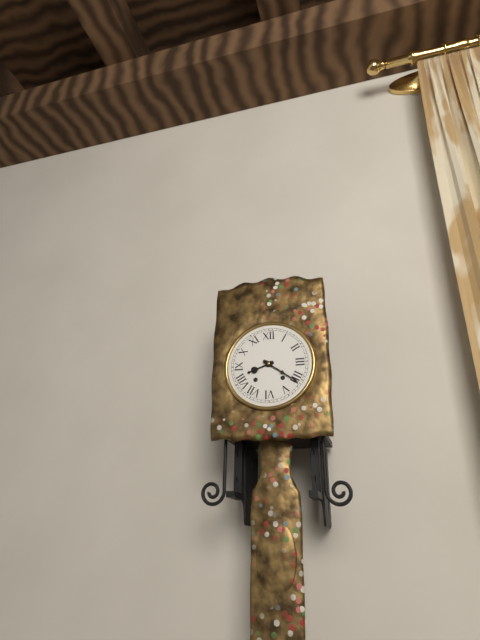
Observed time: 8h21
